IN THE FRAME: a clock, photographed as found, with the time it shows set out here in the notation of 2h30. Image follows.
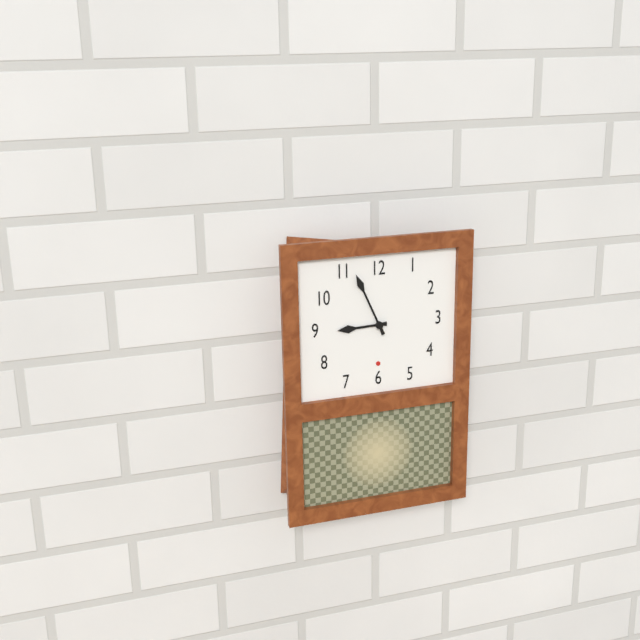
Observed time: 8h56
